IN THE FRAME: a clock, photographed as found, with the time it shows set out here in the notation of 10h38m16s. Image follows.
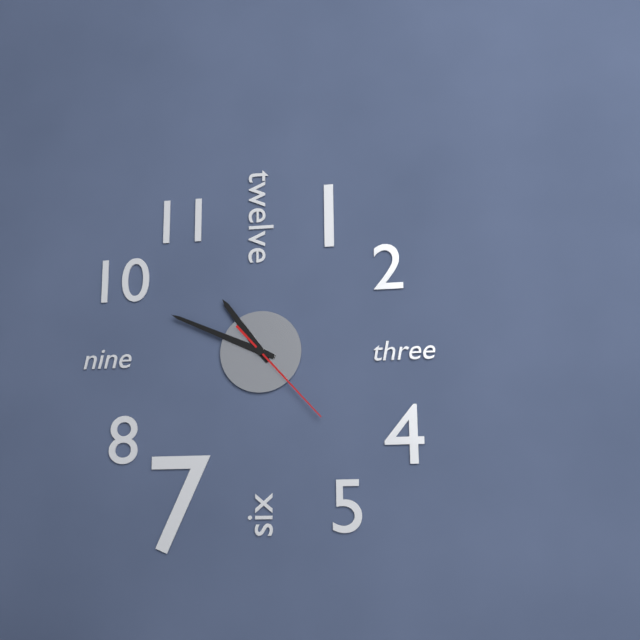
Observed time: 10h49m23s
